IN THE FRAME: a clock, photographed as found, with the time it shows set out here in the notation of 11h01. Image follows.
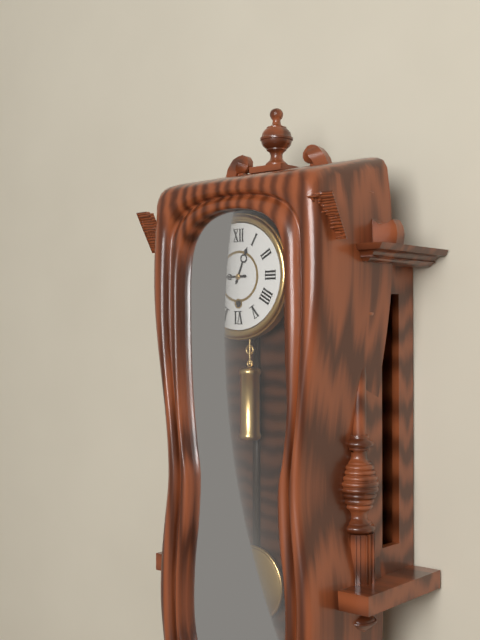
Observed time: 12h45
